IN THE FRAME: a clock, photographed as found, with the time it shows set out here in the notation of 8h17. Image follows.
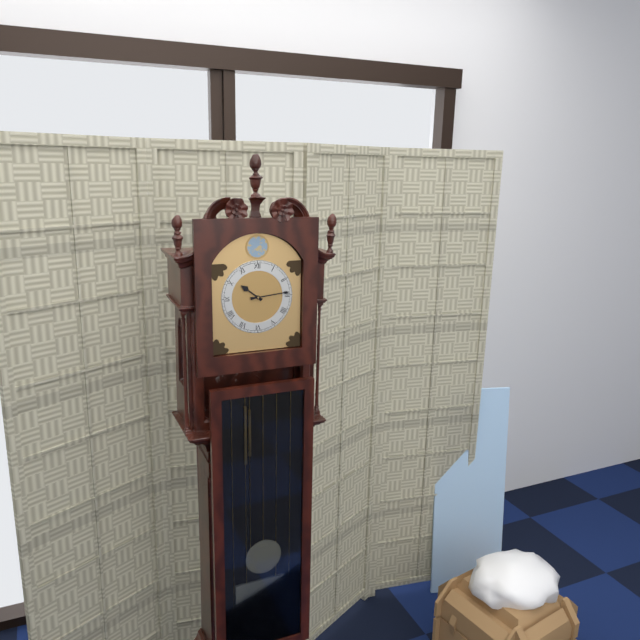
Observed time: 10h14
